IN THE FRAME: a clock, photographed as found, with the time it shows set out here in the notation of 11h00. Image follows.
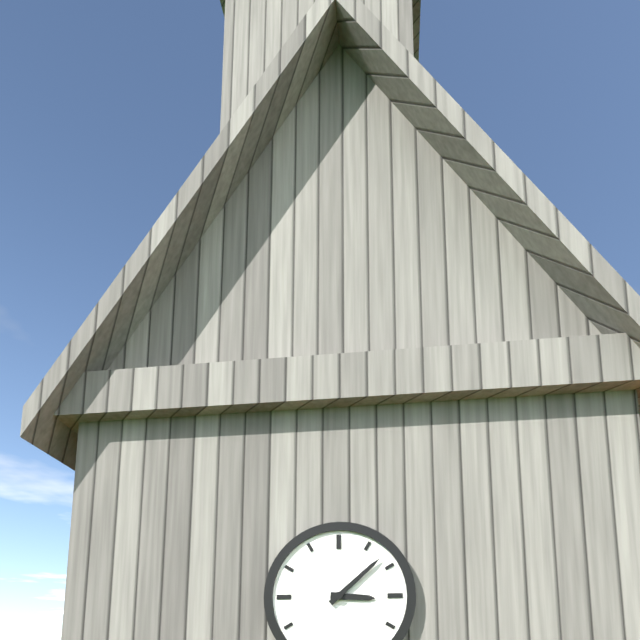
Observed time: 3h08
